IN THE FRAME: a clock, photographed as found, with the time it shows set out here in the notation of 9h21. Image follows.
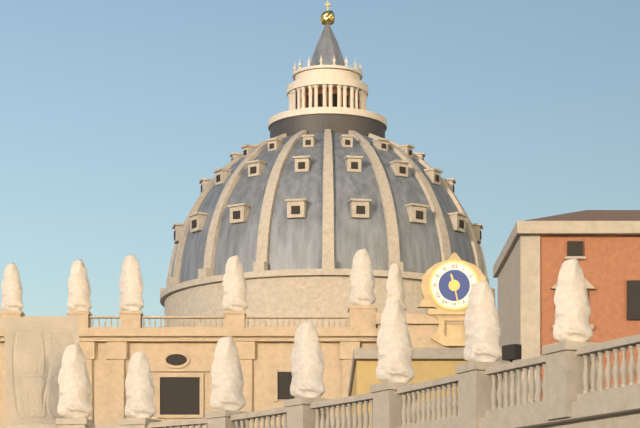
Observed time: 11h28
